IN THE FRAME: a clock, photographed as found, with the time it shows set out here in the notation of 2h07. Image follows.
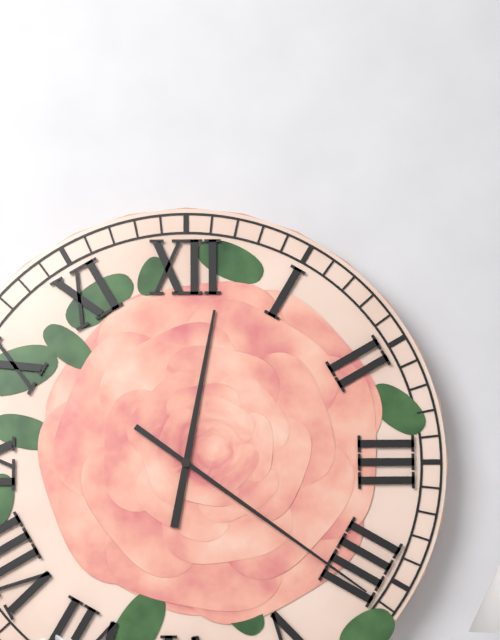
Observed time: 12h21
